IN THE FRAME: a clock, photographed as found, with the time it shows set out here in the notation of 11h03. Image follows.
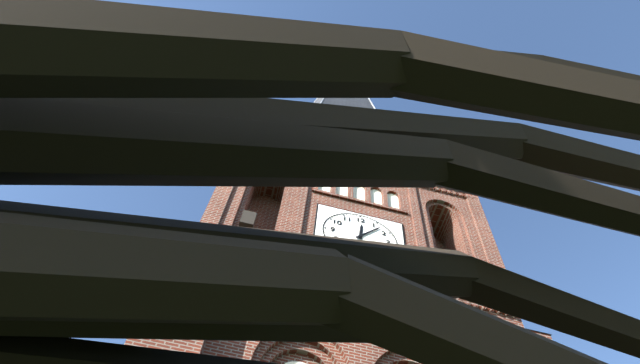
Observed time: 12h07
